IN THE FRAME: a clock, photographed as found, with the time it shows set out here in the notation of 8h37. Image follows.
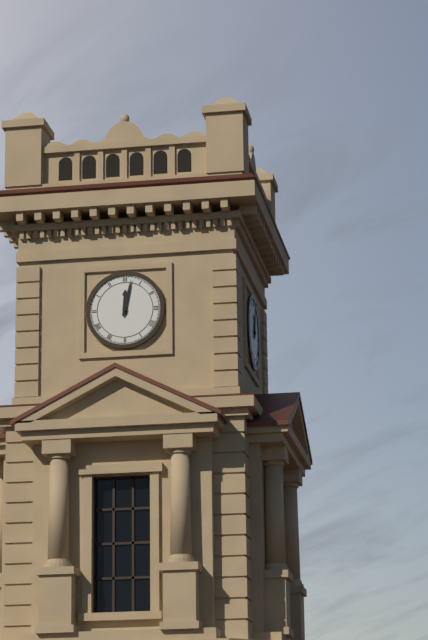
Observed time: 12h02
